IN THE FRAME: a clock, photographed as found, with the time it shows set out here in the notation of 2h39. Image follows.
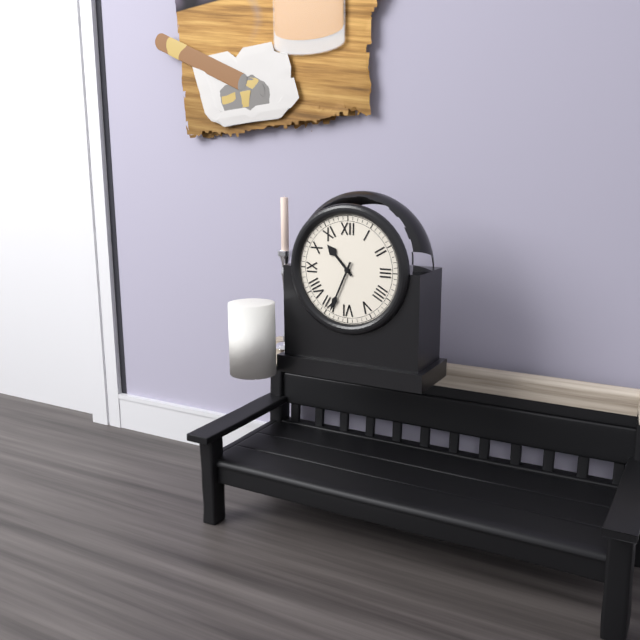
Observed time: 10h34
